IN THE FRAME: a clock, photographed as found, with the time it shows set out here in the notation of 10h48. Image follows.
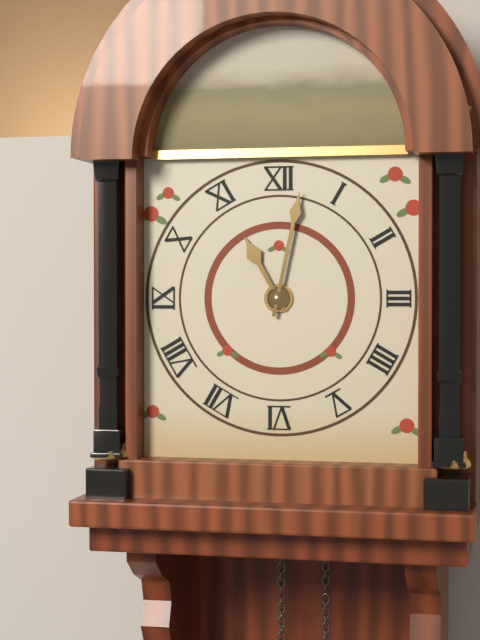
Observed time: 11h02
